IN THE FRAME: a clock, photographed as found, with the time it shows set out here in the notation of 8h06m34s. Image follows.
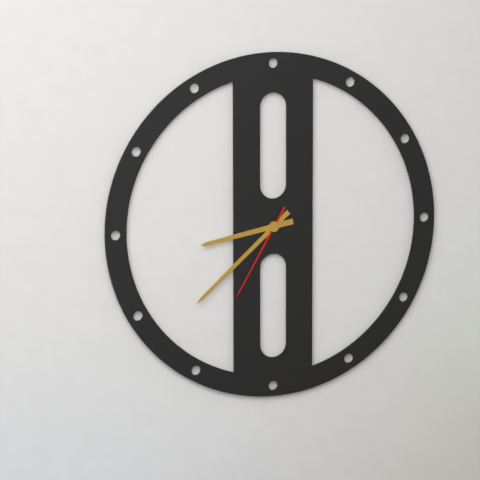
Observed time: 8h38m35s
